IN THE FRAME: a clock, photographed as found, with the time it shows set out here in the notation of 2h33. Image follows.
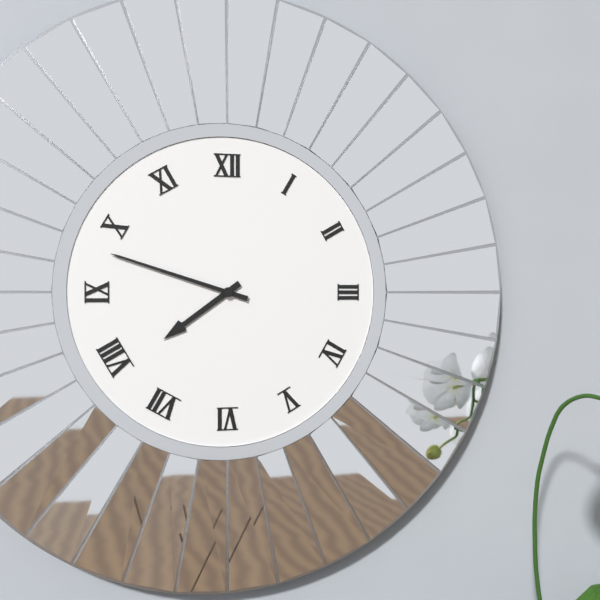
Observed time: 7h48
